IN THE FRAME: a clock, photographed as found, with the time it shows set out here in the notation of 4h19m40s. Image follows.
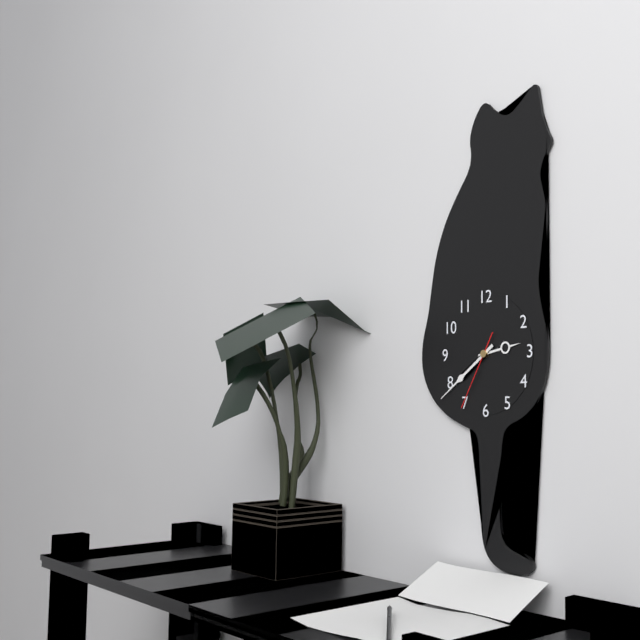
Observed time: 2h39m35s
